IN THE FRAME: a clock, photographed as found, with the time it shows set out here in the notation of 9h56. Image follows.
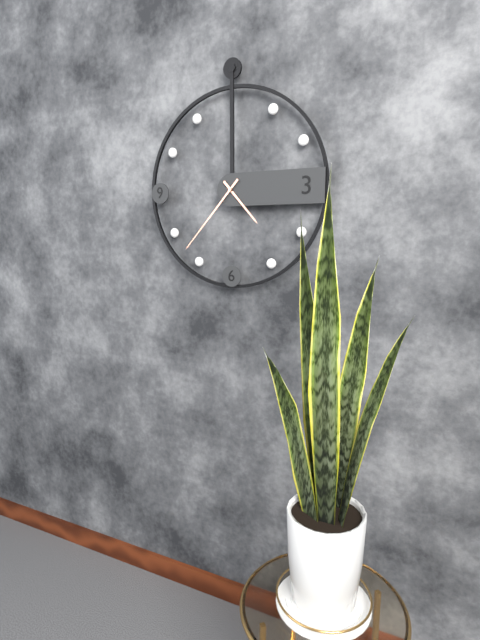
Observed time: 4h37
